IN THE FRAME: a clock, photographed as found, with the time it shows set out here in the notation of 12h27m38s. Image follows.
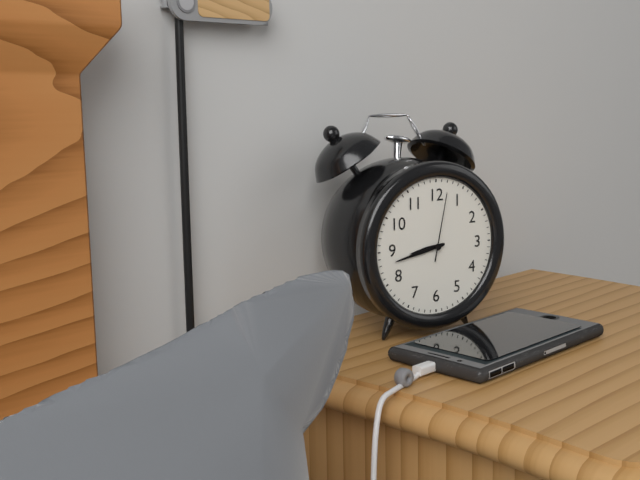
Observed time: 8h43m02s
